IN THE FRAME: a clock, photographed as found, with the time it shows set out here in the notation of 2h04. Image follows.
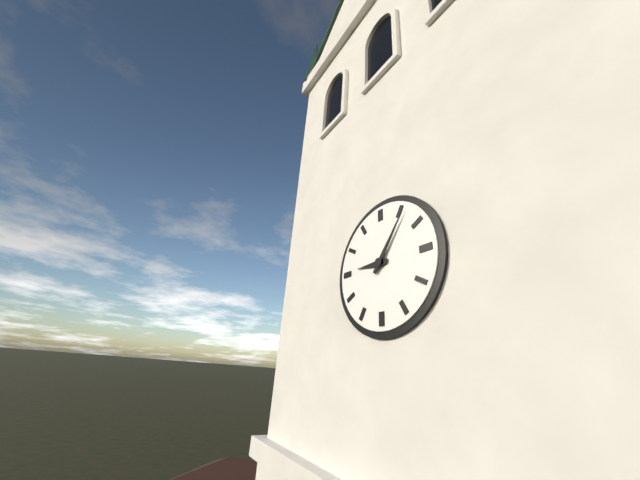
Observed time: 9h06
